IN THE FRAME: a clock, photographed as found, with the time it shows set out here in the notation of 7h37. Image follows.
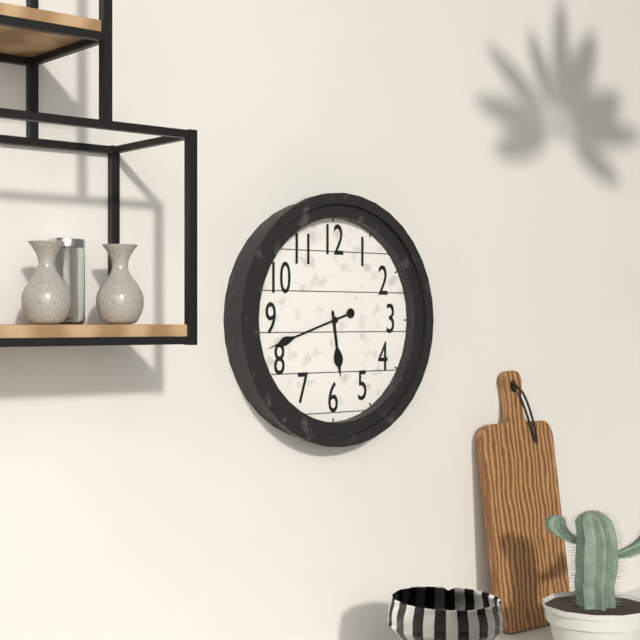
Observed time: 5h42
